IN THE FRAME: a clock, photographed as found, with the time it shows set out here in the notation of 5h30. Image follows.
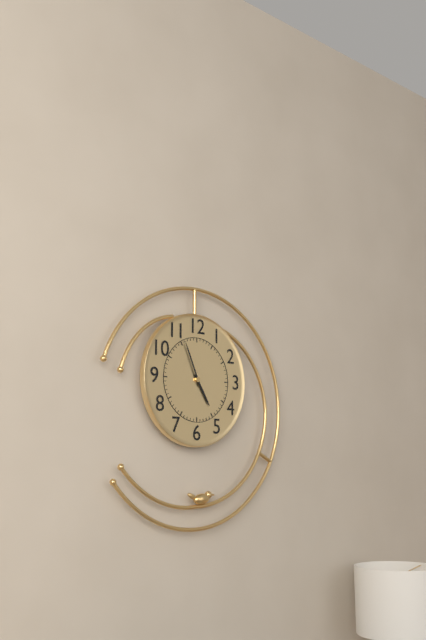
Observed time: 4h56
